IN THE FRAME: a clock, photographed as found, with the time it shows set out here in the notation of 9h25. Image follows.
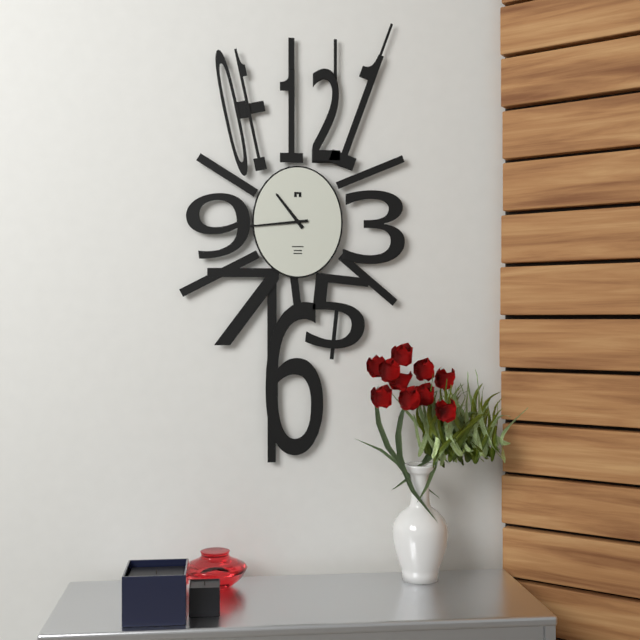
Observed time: 10h44
